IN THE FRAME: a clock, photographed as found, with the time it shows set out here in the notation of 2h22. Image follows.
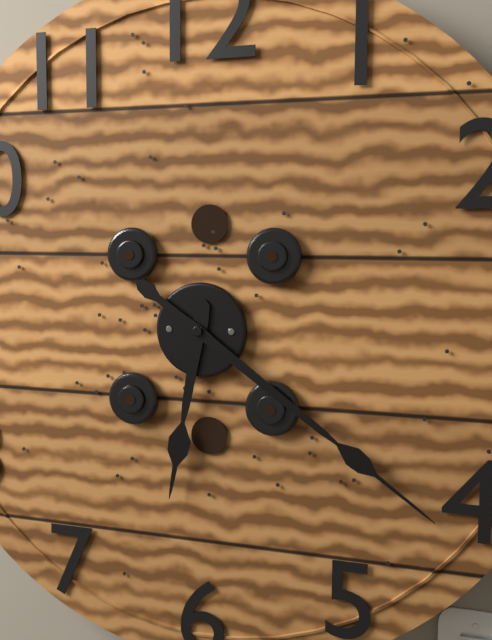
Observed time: 6h21
